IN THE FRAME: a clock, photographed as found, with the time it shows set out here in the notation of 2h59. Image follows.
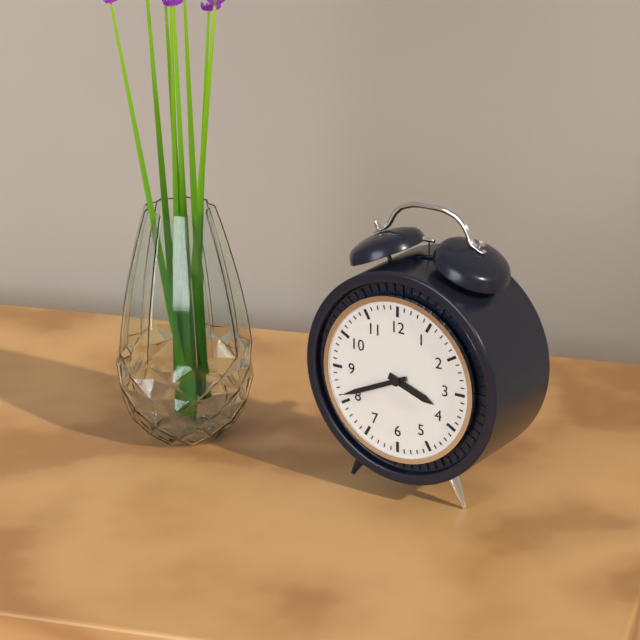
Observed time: 3h41
